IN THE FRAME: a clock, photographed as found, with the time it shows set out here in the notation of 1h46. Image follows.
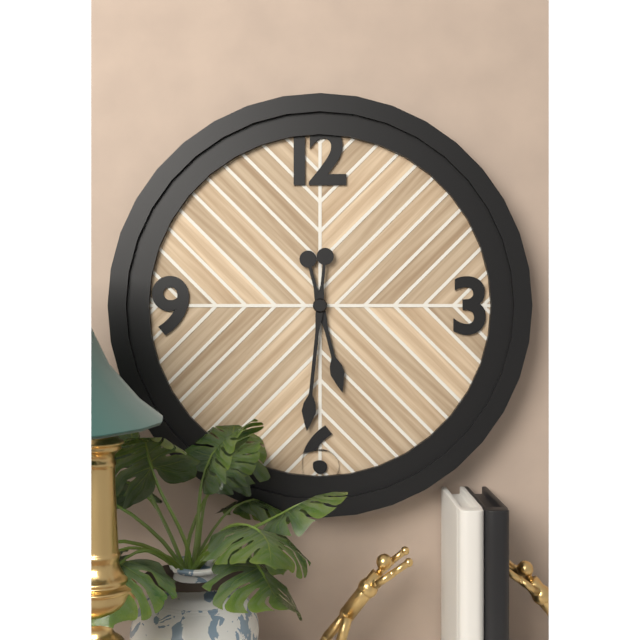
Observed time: 5h31
